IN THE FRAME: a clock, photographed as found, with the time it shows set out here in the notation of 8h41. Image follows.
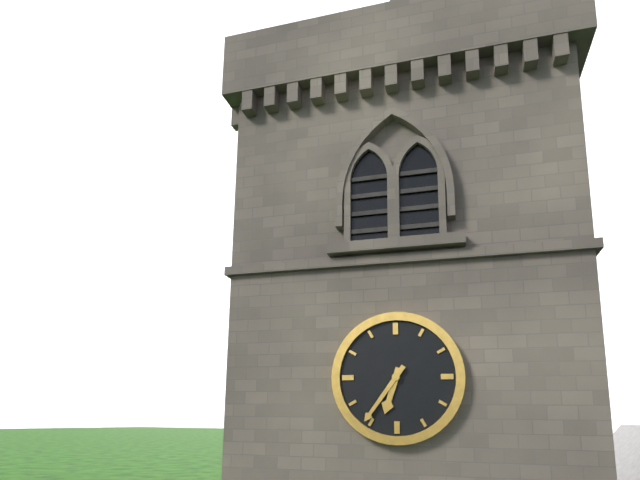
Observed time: 6h36
